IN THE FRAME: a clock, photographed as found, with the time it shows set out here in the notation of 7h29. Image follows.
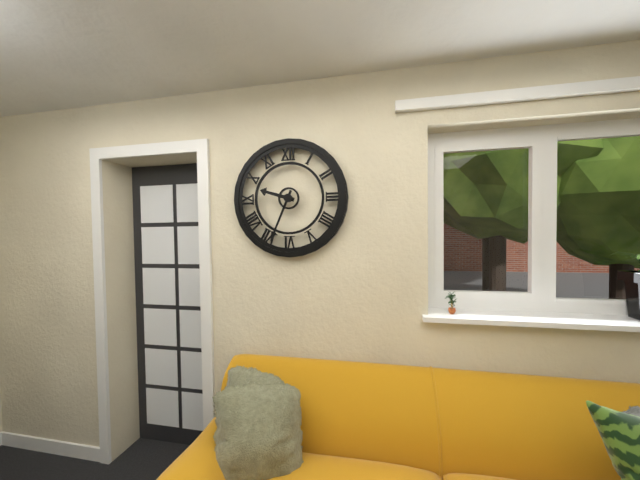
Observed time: 9h34
